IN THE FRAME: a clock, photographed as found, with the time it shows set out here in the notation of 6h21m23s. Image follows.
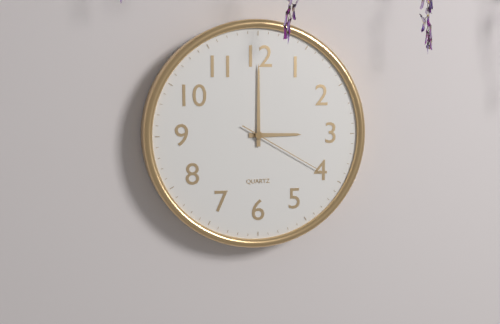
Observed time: 3h00m20s
